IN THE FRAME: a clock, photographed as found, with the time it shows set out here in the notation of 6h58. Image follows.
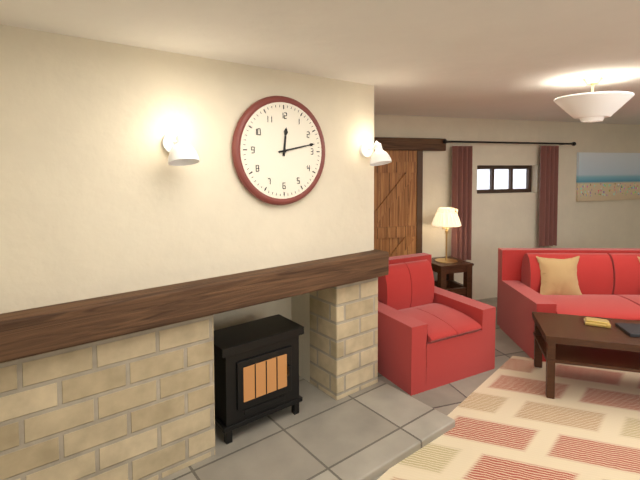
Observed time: 12h13
